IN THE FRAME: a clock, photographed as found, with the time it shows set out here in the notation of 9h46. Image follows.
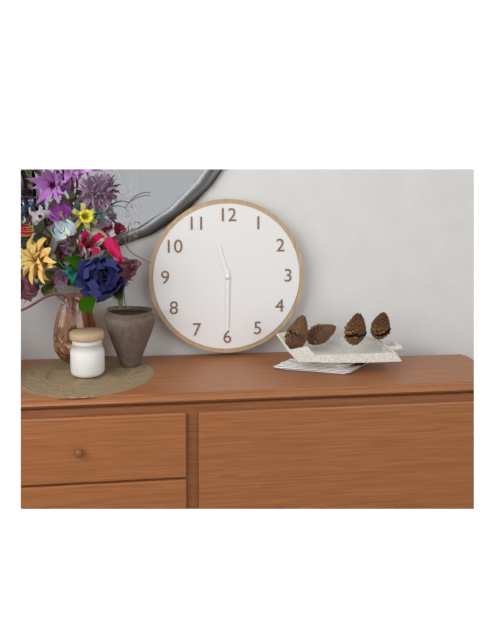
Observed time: 11h30
